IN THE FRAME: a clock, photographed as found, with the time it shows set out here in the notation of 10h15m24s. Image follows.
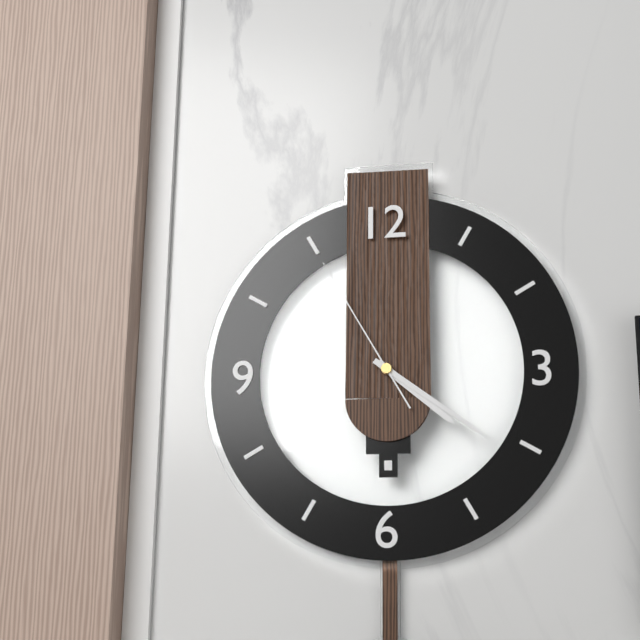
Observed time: 4h21m55s
